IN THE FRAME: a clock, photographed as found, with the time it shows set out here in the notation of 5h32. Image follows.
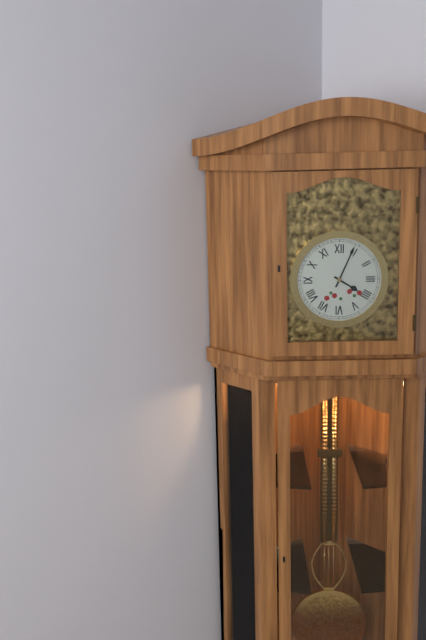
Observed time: 4h04
